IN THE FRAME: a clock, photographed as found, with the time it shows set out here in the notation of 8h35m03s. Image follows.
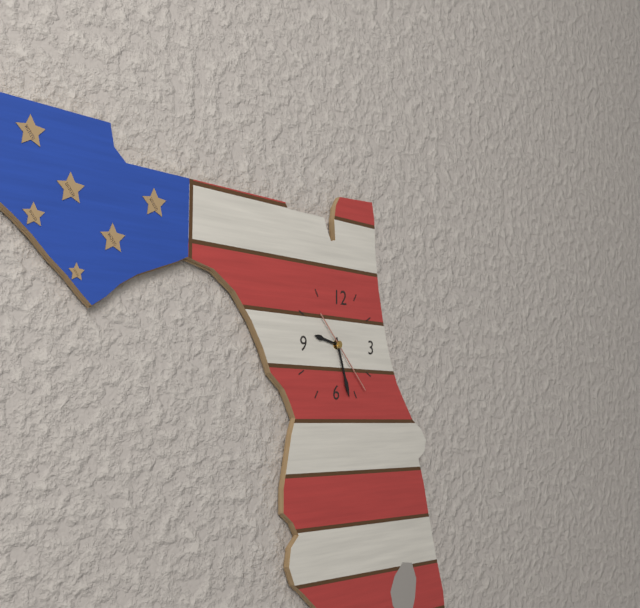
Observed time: 9h27m23s
